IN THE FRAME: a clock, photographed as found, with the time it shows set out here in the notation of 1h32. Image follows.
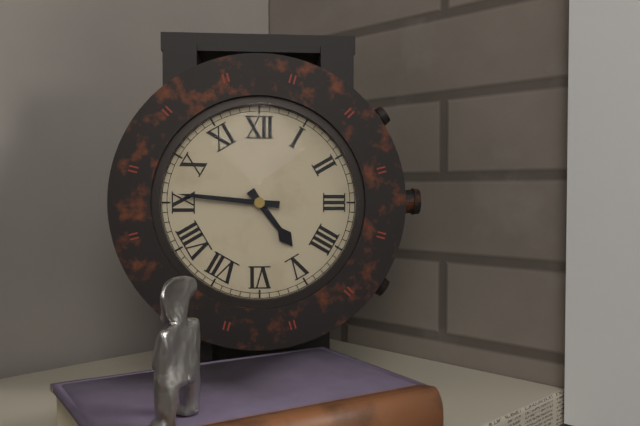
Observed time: 4h46
